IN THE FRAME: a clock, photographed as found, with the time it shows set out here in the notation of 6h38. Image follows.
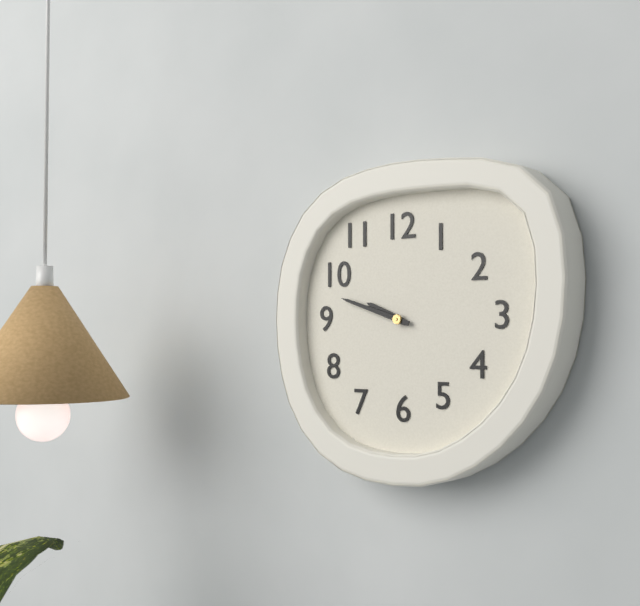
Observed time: 9h48
